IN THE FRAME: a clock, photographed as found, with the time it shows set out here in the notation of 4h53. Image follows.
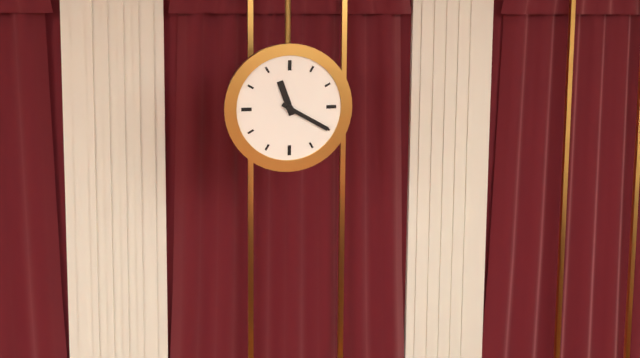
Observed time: 11h20
